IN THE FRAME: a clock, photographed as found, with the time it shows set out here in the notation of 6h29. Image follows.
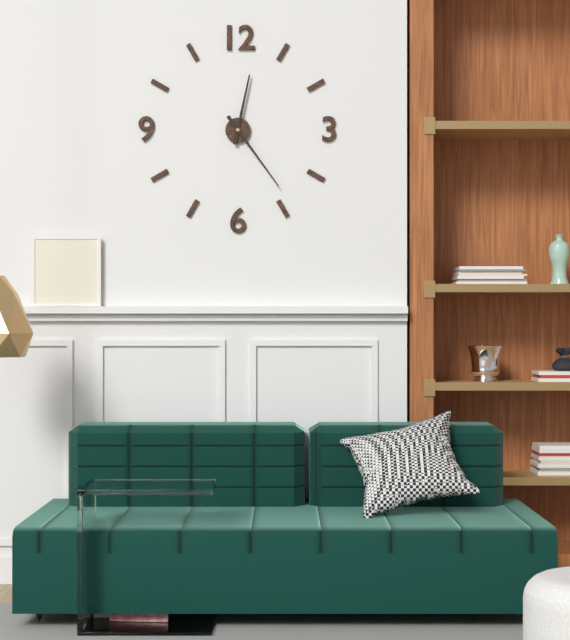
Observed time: 12h24
